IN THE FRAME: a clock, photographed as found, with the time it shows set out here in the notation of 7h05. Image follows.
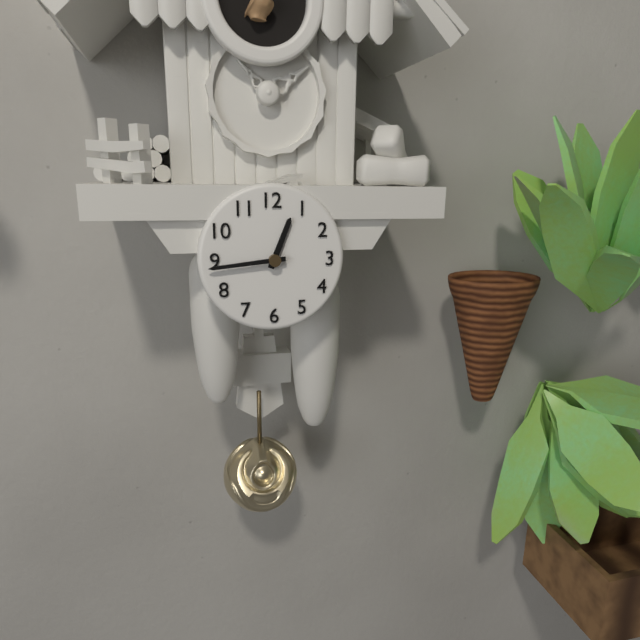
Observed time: 12h44
